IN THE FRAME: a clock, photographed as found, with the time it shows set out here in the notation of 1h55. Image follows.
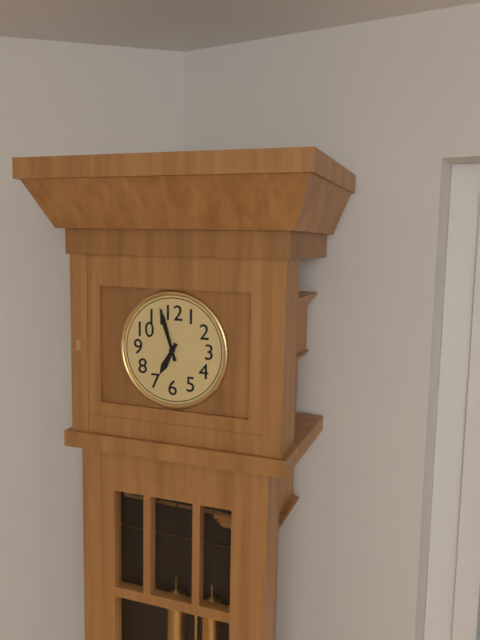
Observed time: 6h57
